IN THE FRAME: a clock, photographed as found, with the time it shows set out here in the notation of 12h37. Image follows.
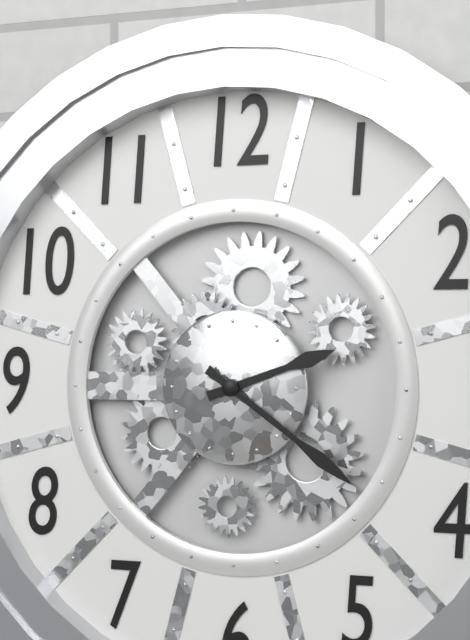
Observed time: 2h21
